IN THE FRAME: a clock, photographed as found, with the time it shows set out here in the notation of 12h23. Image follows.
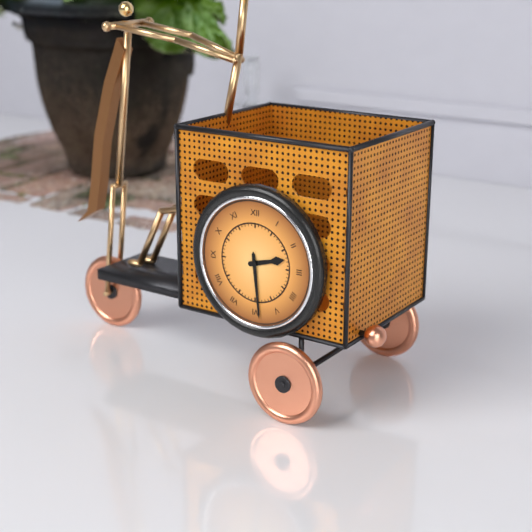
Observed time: 2h29
